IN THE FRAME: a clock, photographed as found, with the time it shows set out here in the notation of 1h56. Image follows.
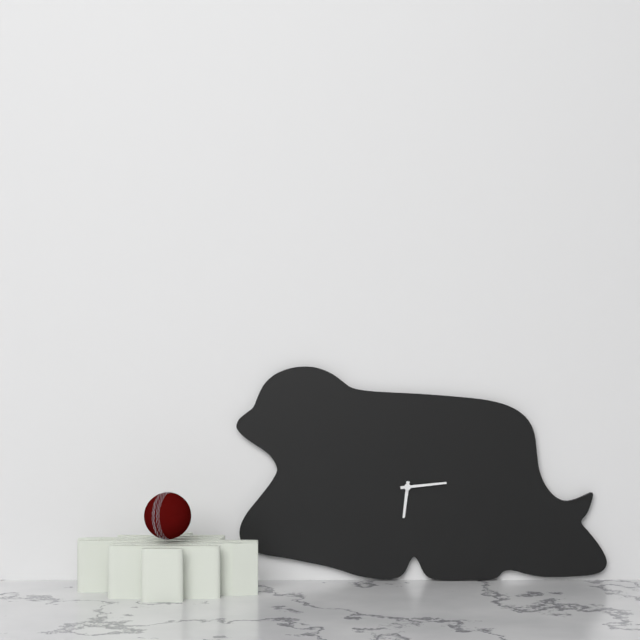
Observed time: 6h14
